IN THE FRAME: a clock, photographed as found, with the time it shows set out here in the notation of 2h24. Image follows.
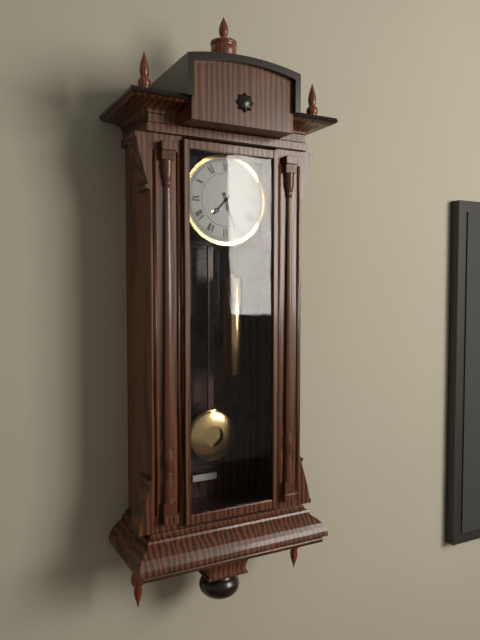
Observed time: 7h27
